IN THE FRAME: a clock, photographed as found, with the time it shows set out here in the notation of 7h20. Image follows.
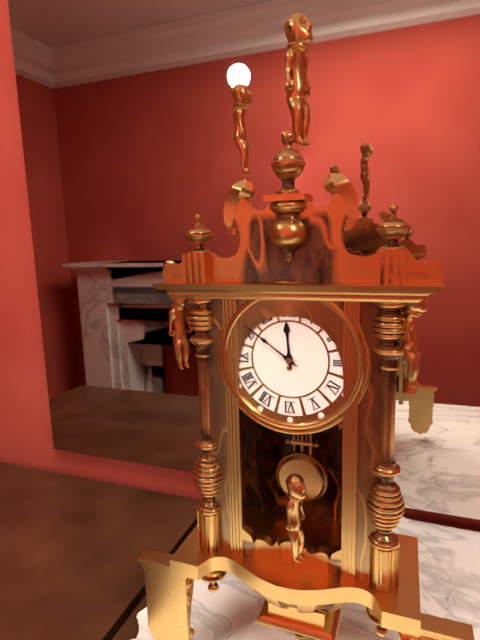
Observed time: 11h51
